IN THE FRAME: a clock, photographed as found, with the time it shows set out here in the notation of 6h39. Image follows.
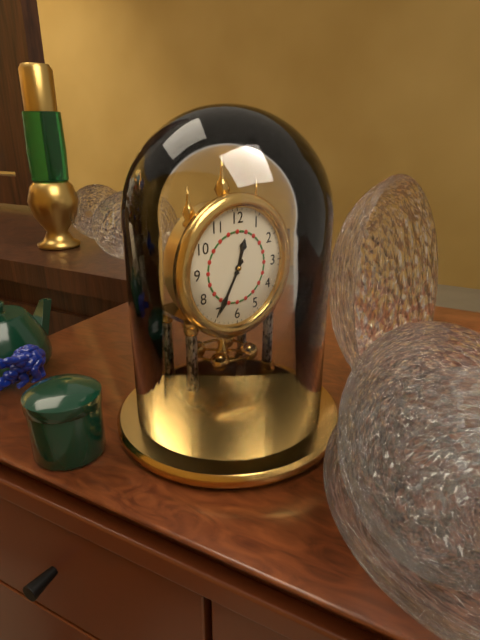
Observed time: 12h35
